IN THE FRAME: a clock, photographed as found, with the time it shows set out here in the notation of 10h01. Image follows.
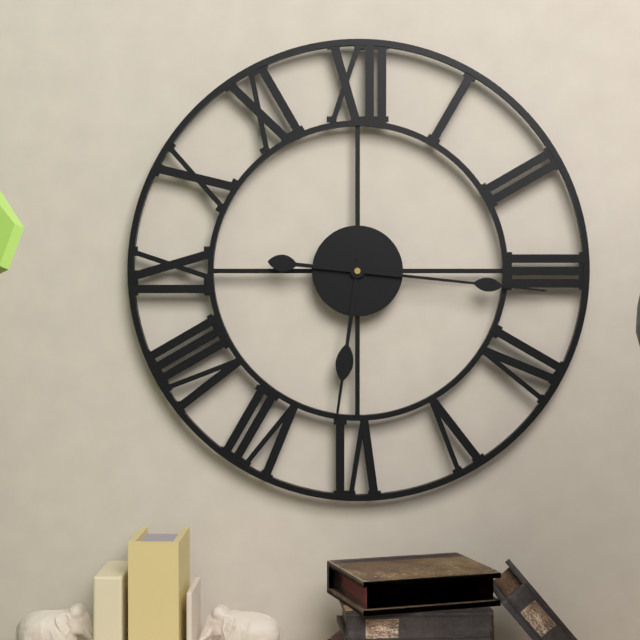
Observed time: 6h16
